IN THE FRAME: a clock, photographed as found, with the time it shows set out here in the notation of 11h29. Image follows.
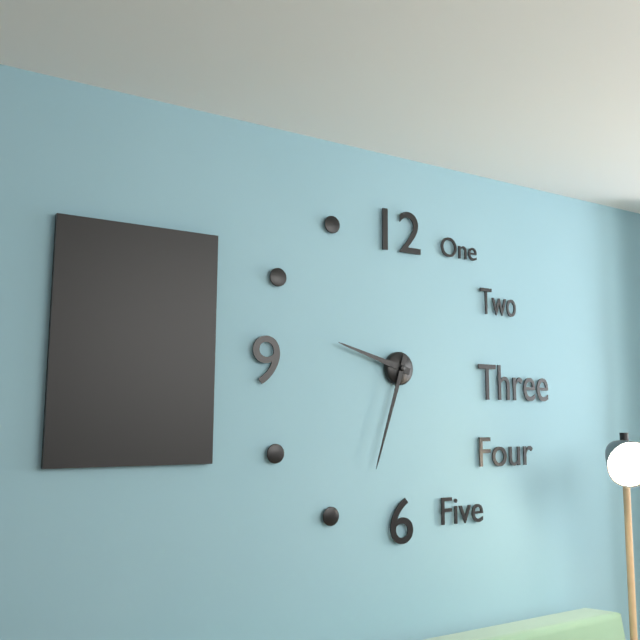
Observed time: 9h33
